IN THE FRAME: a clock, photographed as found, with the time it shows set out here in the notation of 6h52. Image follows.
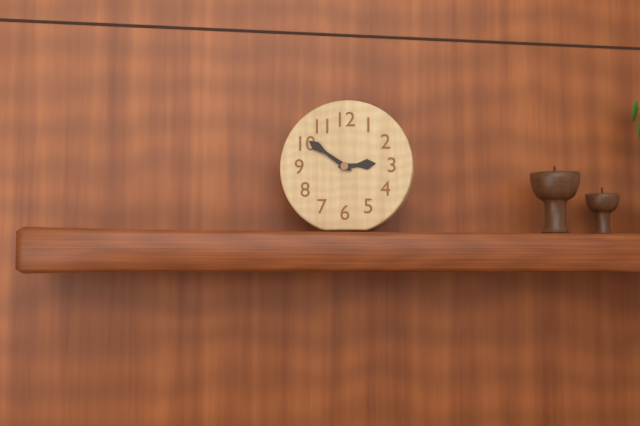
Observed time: 2h51
